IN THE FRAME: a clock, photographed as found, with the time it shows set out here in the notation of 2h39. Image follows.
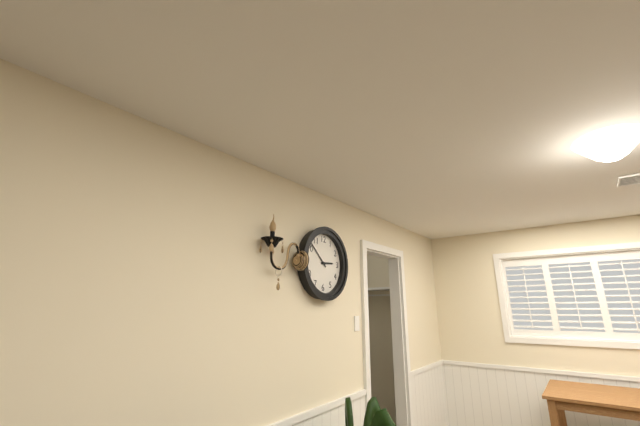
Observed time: 2h52
